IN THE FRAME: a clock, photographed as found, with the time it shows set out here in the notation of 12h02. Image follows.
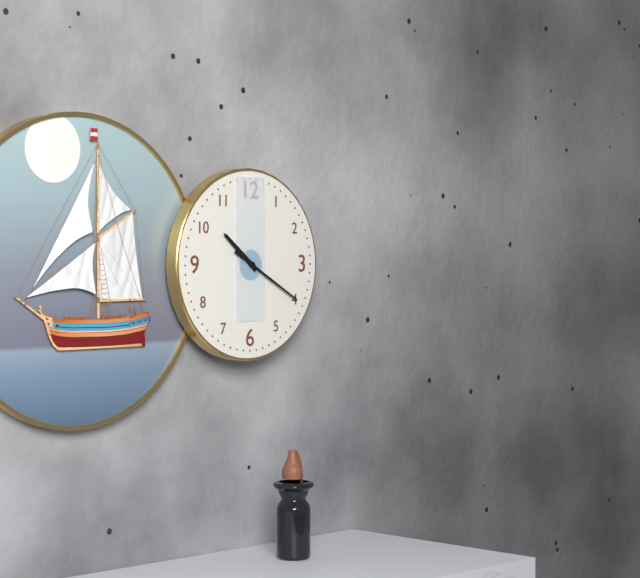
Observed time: 10h20
